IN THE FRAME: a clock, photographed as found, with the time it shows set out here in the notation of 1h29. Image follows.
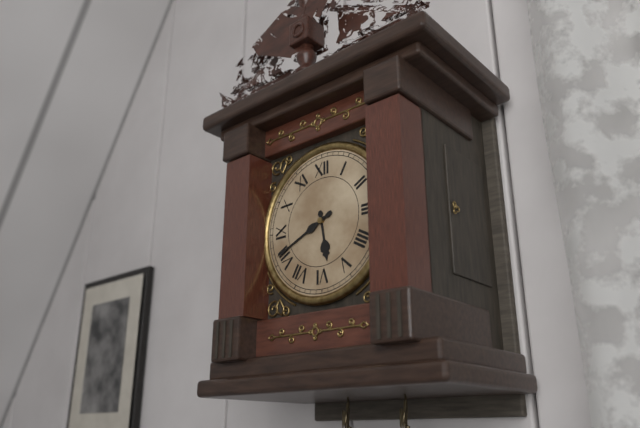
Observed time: 5h41
